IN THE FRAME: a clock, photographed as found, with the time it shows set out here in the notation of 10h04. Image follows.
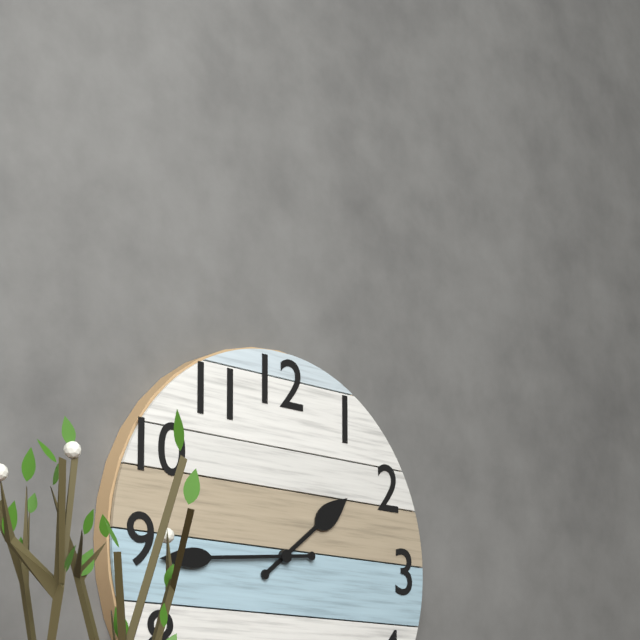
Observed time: 1h44
